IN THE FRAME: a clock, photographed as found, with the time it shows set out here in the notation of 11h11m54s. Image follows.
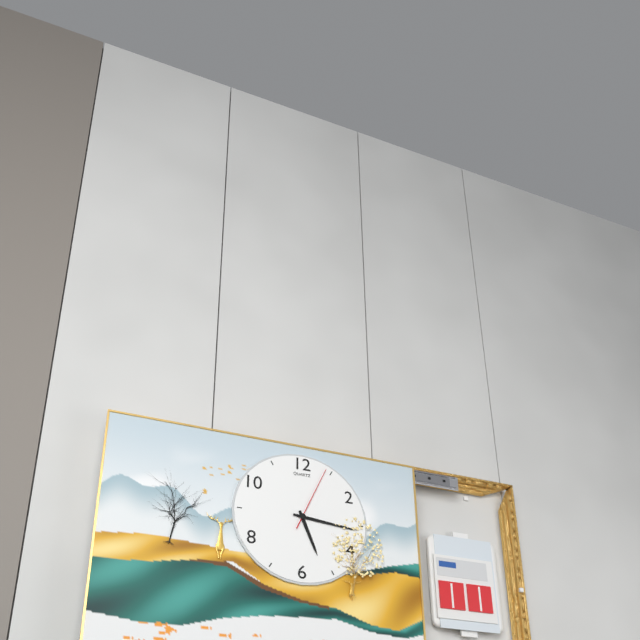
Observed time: 5h16m04s
